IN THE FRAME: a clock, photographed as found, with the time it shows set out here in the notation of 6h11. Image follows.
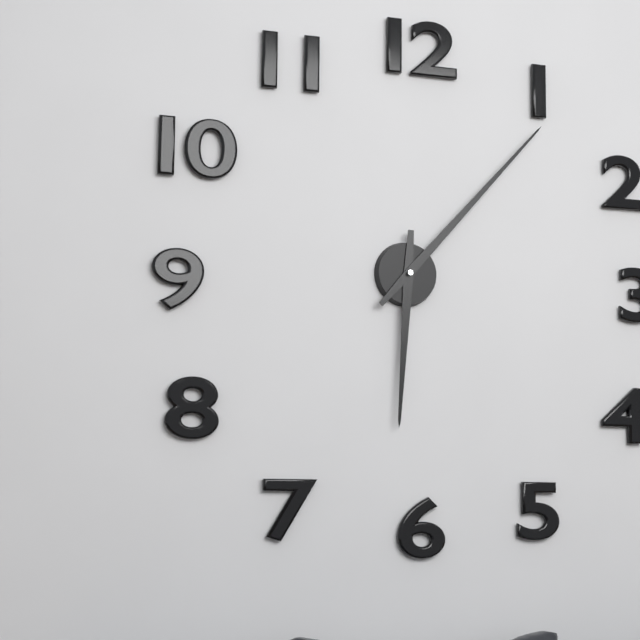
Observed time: 6h07
